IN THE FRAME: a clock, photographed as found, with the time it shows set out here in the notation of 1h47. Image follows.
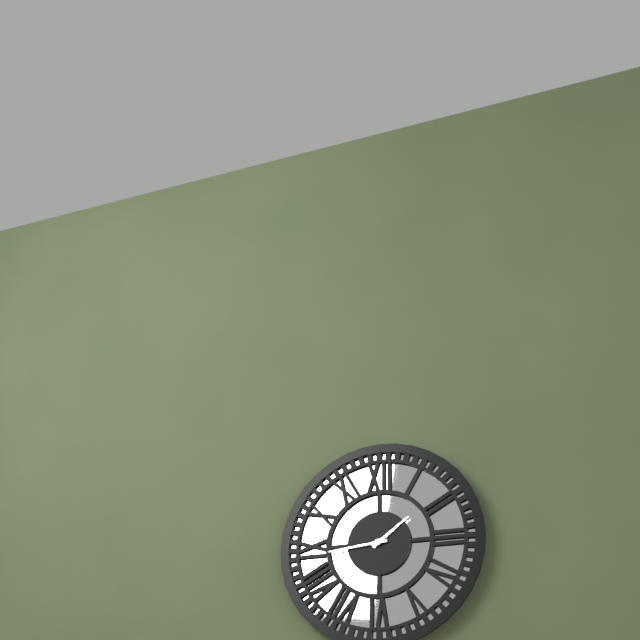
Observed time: 1h44
